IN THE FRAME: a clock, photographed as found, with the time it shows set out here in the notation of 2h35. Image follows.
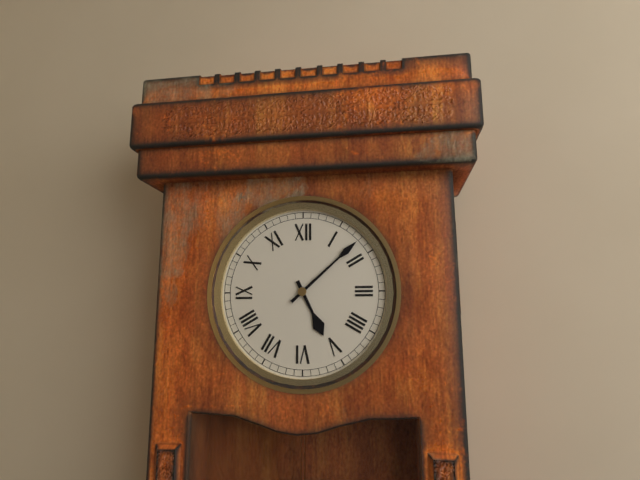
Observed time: 5h08
